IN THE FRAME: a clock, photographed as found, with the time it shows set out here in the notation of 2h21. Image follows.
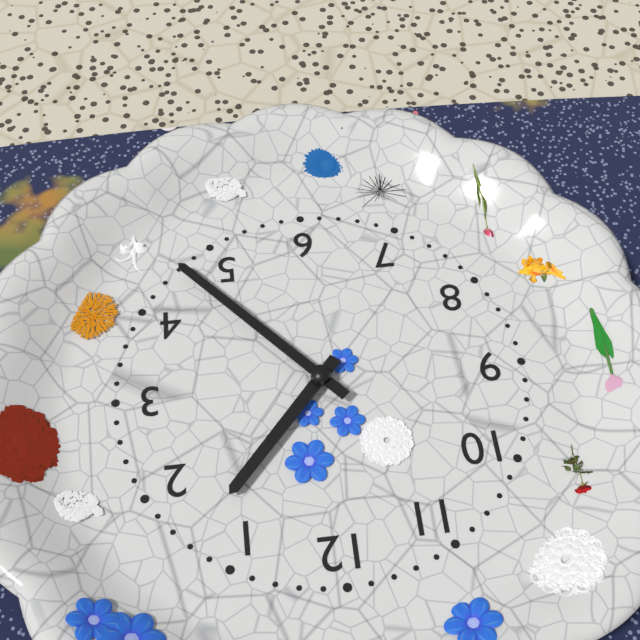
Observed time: 1h23
